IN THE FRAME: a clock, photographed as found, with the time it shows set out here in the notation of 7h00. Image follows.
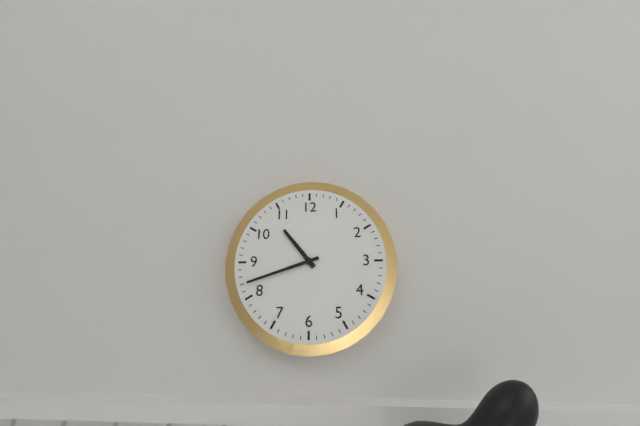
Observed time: 10h42
